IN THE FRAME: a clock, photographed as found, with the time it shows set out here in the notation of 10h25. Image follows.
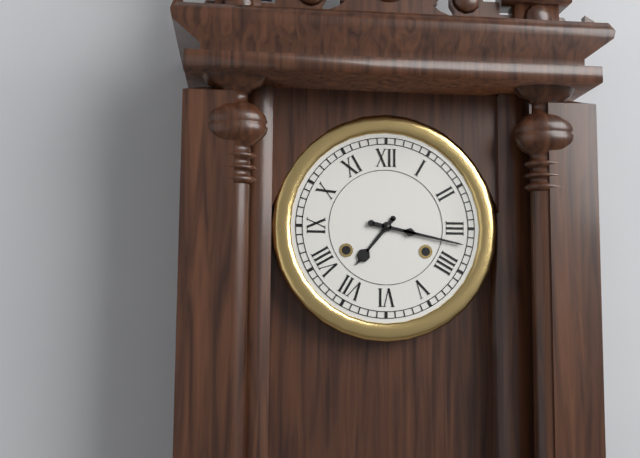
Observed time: 7h17
